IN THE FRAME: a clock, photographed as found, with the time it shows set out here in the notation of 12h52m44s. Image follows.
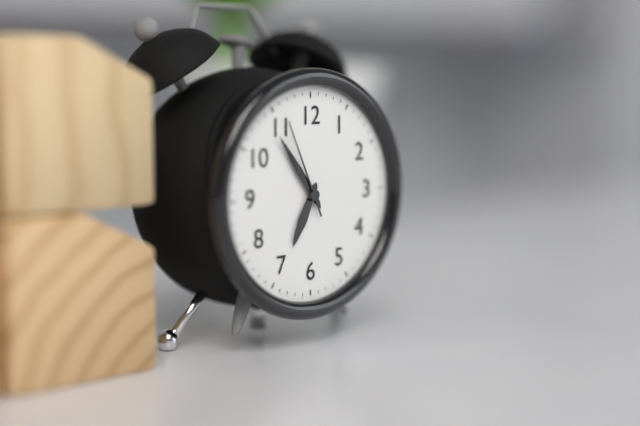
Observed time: 6h54m56s
